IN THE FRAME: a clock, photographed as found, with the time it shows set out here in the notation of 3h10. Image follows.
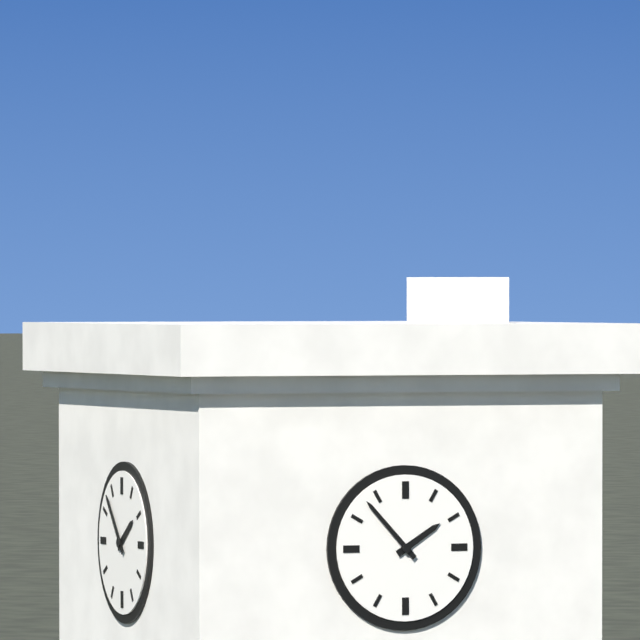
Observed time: 1h53
